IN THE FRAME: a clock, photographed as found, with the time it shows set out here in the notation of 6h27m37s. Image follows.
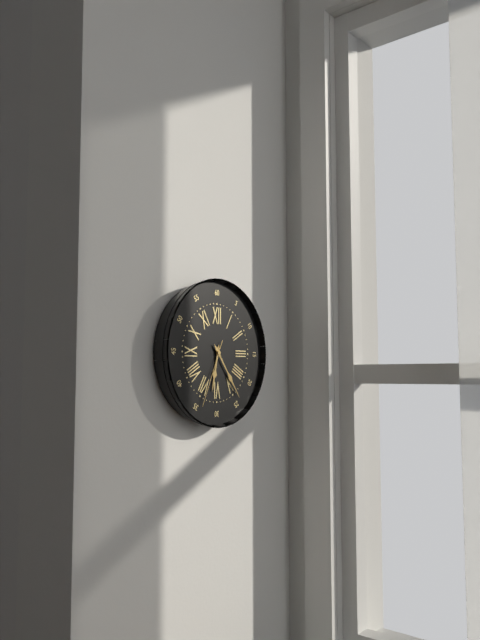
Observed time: 6h24m34s
